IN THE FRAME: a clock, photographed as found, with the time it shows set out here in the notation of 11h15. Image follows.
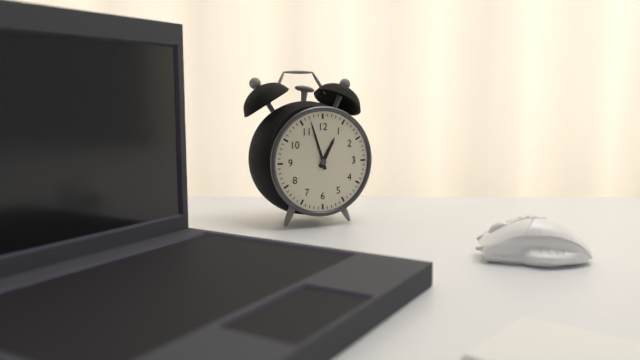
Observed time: 12h57
